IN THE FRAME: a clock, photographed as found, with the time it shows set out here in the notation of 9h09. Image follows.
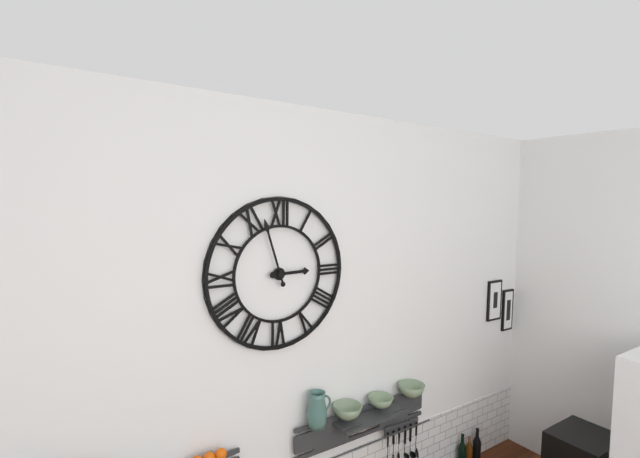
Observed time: 2h57
